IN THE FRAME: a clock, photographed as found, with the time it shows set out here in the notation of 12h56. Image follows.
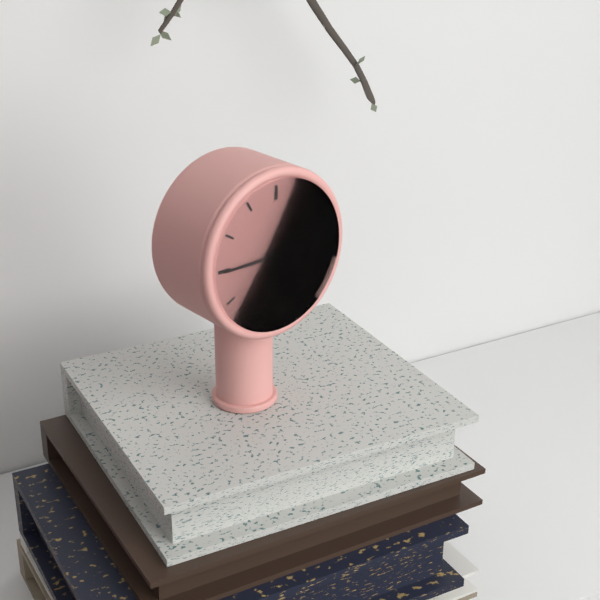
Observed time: 2h45
